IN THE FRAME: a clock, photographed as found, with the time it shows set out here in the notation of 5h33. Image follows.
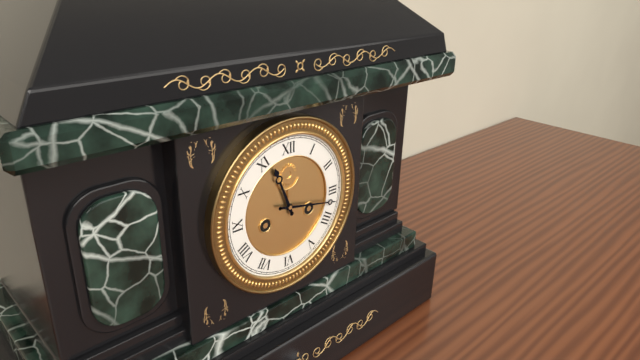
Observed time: 11h17
